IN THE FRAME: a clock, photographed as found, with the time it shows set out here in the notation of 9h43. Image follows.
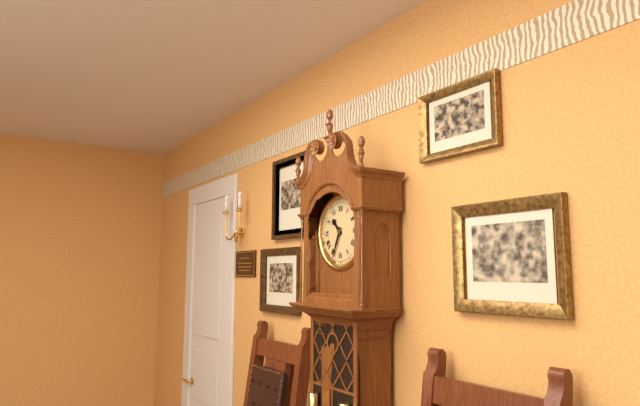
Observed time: 10h34
